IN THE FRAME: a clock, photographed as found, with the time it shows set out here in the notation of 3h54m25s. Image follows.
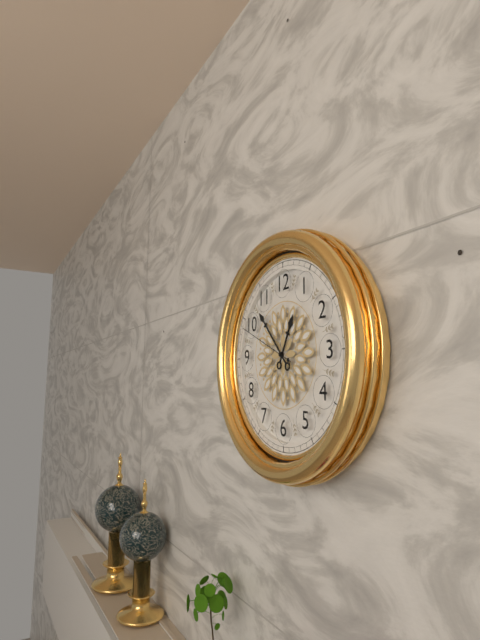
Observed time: 12h53m49s
